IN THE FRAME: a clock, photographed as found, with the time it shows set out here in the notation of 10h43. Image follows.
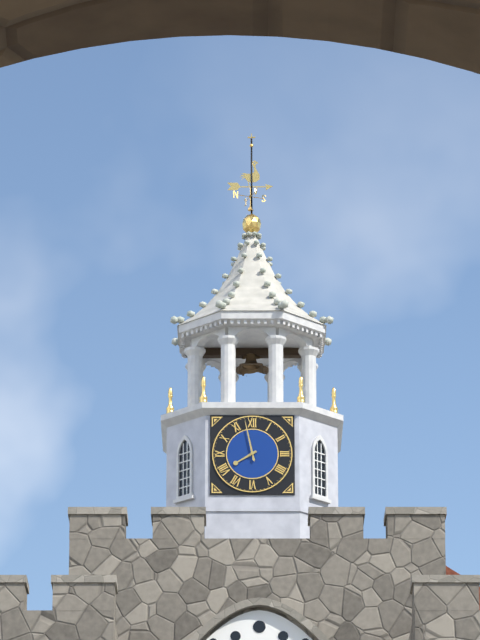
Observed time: 7h58
